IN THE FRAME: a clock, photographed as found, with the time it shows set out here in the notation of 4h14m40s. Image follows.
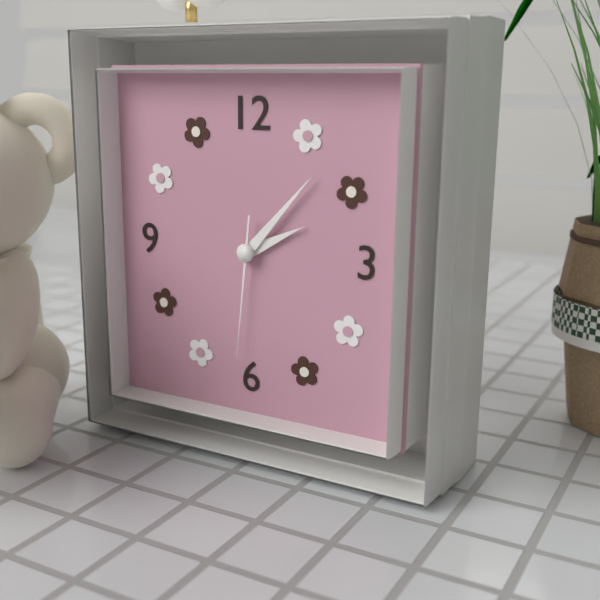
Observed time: 2h07m31s
